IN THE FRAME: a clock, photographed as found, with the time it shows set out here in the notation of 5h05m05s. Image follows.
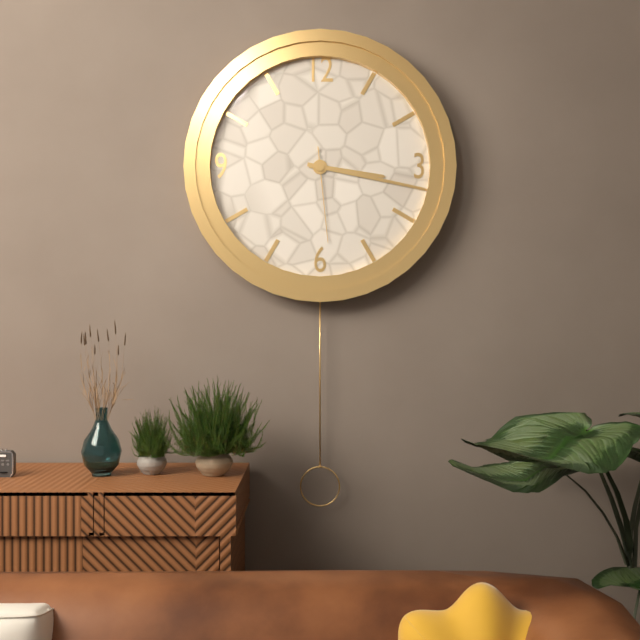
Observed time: 3h17m29s
